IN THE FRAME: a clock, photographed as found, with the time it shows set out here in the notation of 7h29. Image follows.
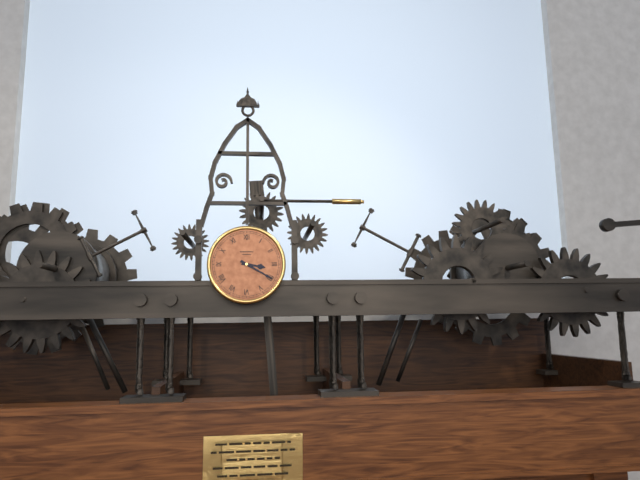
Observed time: 3h20
